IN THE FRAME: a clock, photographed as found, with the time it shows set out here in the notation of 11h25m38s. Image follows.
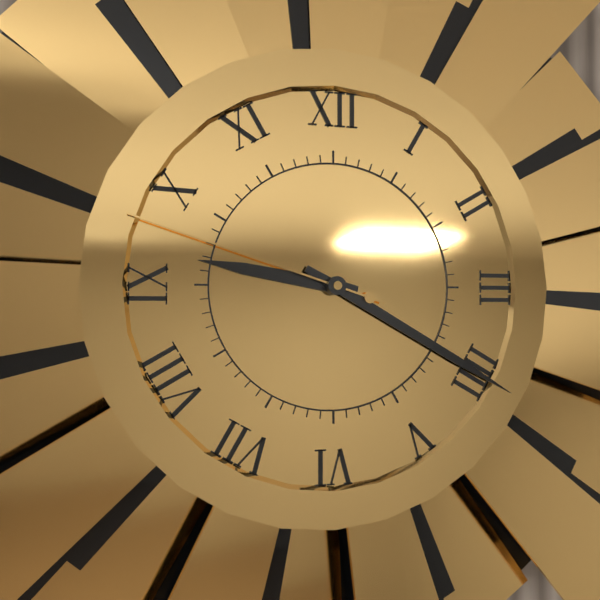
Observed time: 9h20m48s
